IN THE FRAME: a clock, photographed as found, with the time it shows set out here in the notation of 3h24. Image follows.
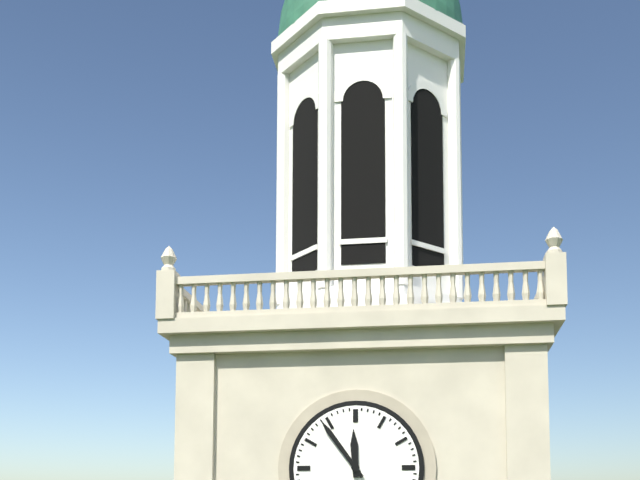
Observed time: 11h54
